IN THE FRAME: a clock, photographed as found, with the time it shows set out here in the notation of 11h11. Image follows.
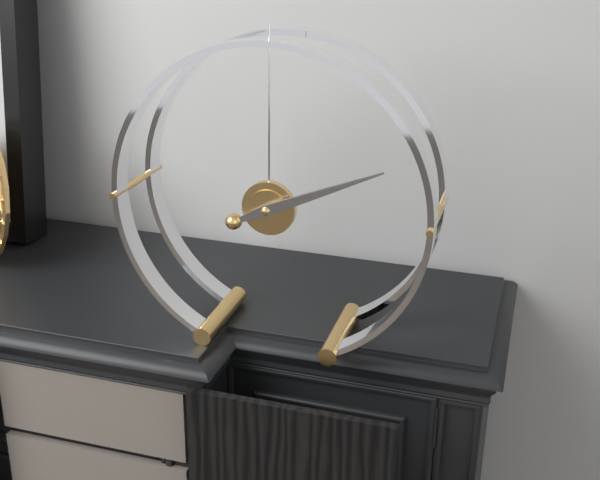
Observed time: 2h11
